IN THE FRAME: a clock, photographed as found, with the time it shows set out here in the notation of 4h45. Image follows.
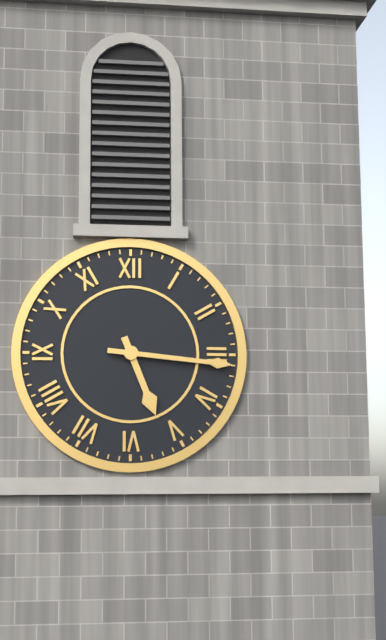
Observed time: 5h16
